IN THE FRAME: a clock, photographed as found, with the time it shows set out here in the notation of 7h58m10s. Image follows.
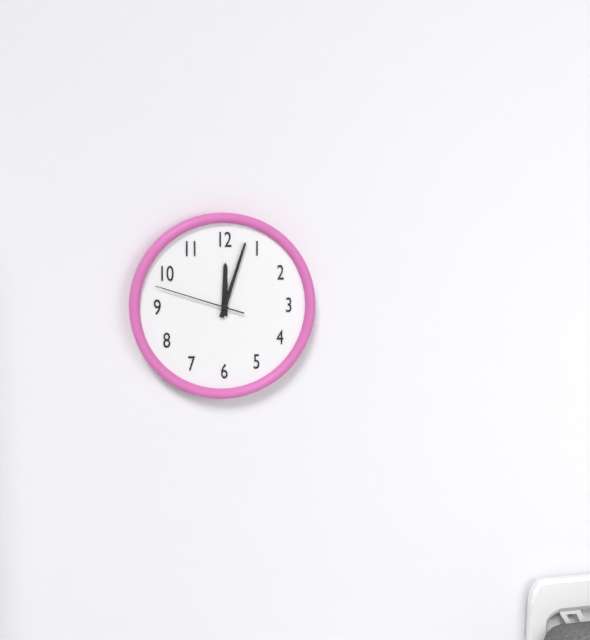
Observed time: 12h03m48s
